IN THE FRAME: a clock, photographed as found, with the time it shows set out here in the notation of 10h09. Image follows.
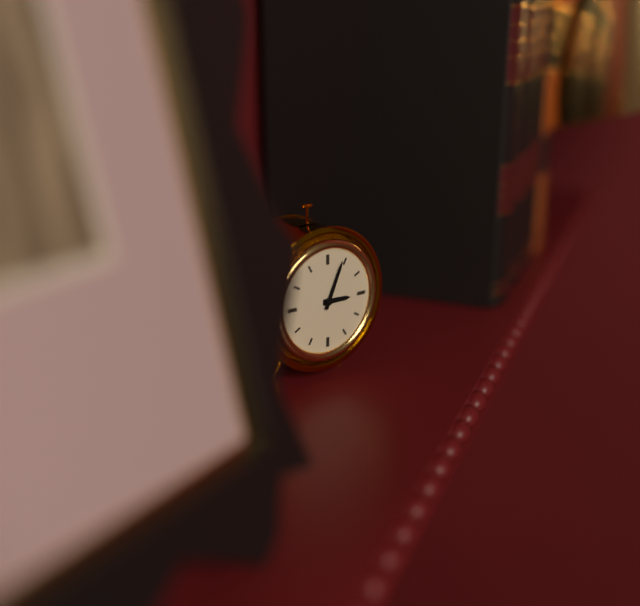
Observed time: 3h04
